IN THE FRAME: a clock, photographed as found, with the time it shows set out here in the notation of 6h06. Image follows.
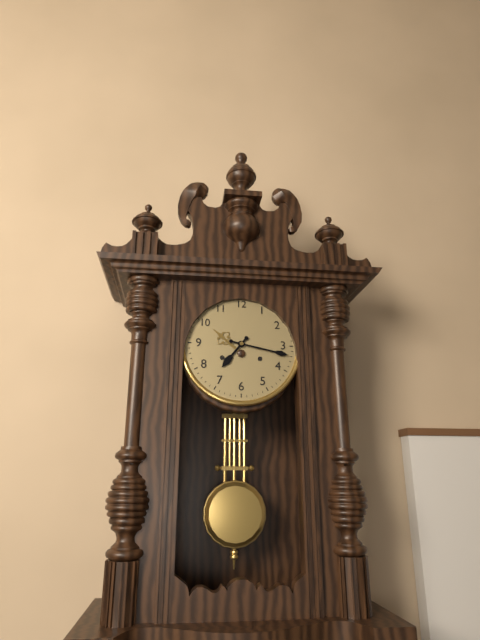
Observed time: 7h17
